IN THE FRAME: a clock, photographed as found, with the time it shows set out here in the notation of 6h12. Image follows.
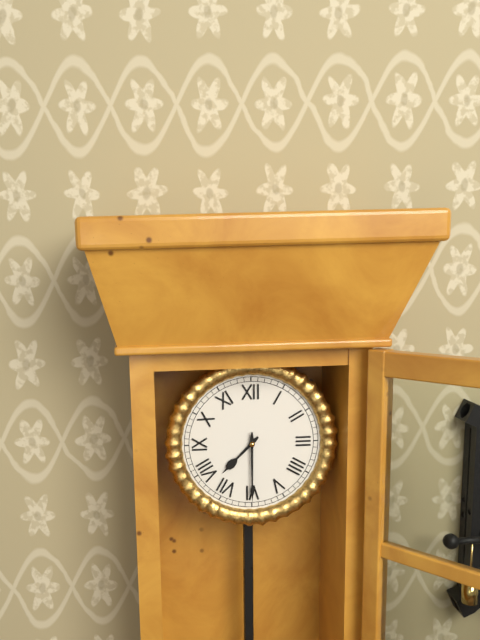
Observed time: 7h30
